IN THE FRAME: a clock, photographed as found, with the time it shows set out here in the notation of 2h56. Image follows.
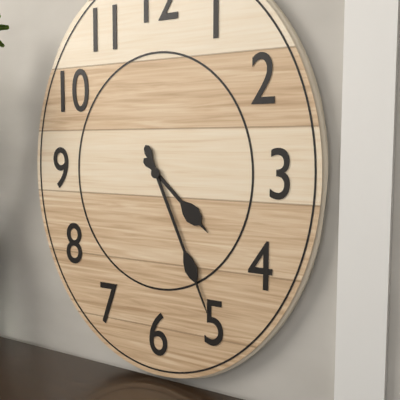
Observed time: 4h26
